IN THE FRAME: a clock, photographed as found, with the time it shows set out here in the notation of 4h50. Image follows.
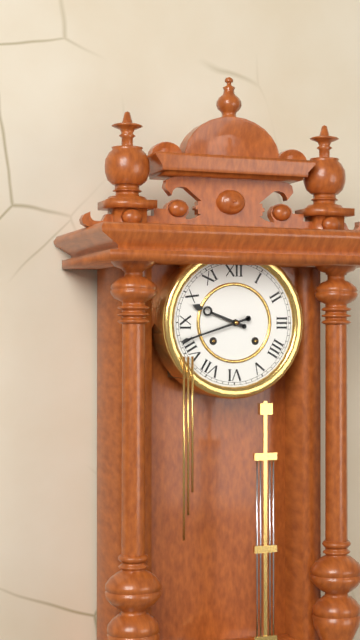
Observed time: 9h42
